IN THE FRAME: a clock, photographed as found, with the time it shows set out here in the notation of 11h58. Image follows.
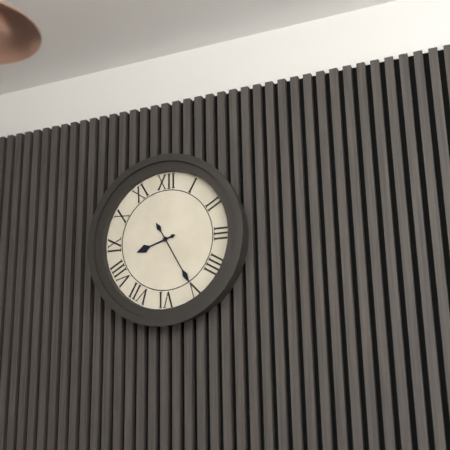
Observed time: 8h25
